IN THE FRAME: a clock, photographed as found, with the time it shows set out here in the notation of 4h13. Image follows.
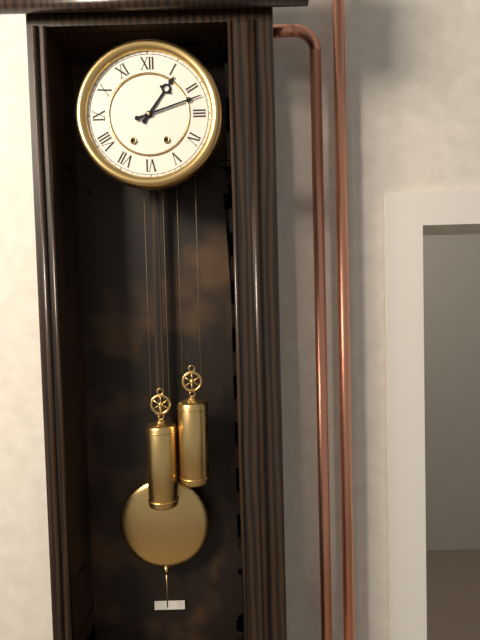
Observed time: 1h12
